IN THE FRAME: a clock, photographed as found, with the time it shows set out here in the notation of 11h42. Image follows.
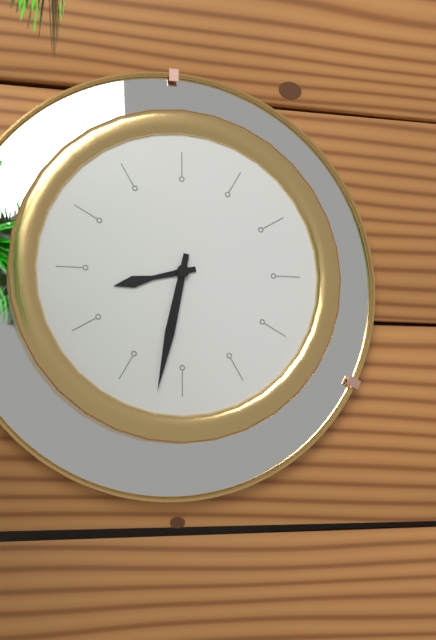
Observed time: 8h32
